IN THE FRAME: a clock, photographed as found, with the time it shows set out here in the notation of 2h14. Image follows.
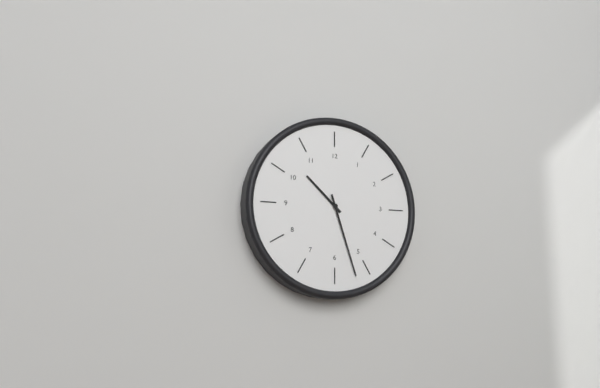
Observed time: 10h27
